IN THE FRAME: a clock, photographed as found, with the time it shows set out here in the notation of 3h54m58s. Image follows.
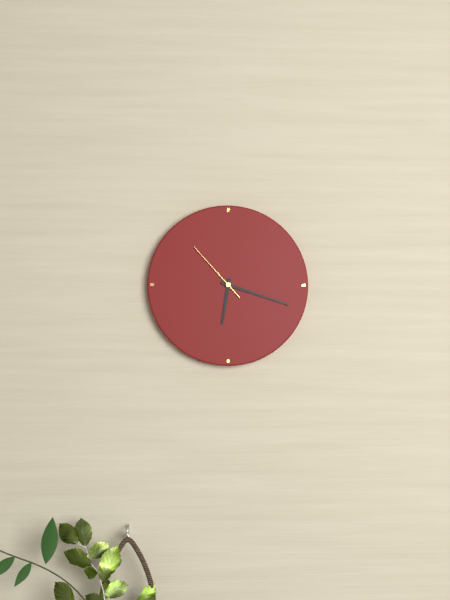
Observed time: 6h18m53s
